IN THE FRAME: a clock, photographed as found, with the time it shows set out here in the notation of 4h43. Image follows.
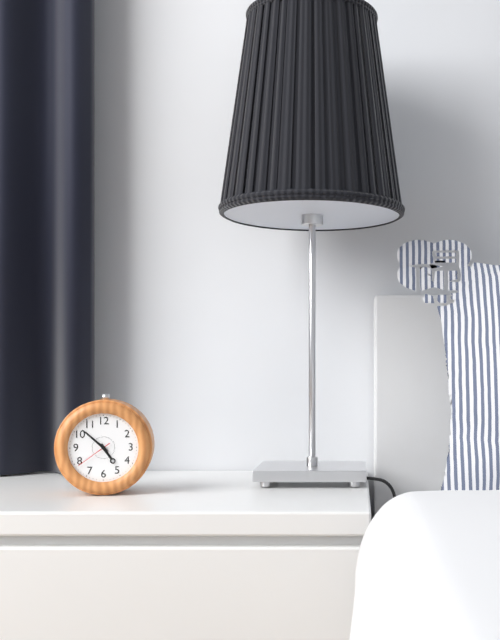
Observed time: 4h52
